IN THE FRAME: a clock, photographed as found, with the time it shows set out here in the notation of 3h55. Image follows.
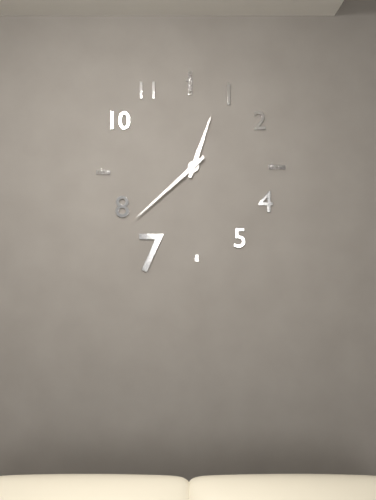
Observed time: 12h38
